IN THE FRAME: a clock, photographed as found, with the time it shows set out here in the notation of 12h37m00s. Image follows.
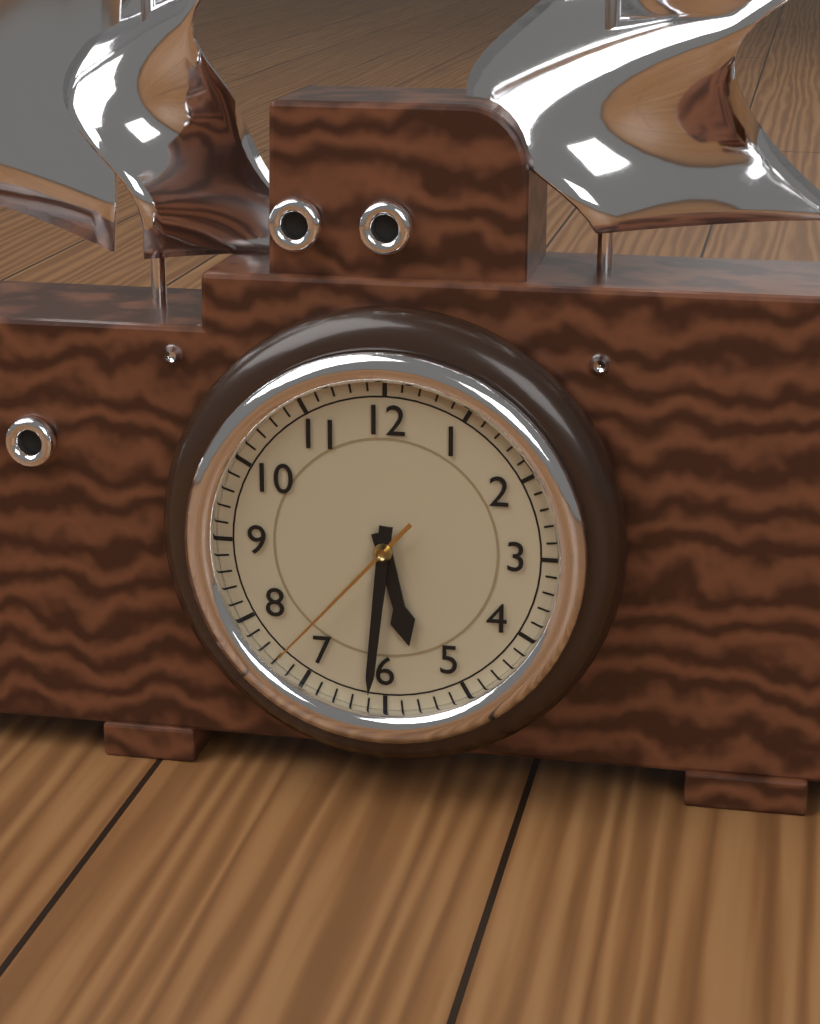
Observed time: 5h31m37s
